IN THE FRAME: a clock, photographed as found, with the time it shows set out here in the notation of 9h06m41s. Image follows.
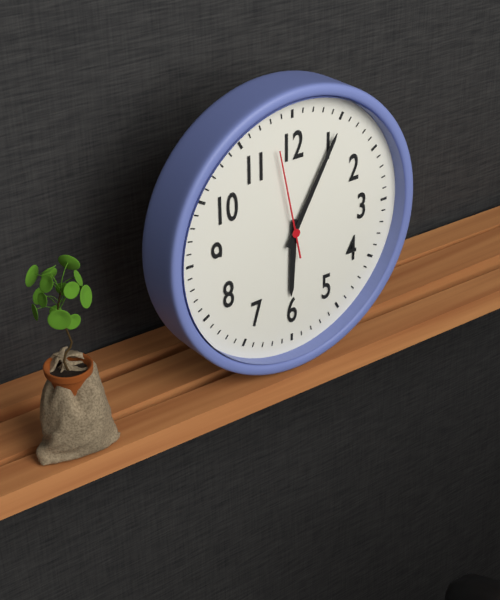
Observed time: 6h05m58s
